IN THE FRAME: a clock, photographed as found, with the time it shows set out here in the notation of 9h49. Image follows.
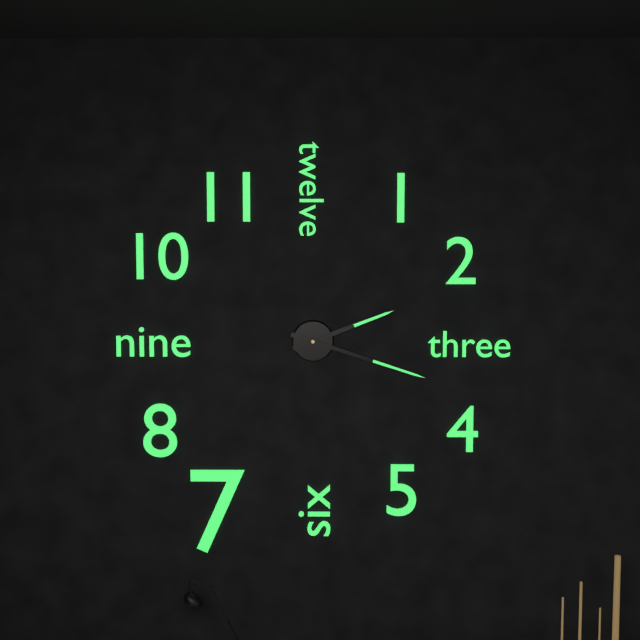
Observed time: 2h18
